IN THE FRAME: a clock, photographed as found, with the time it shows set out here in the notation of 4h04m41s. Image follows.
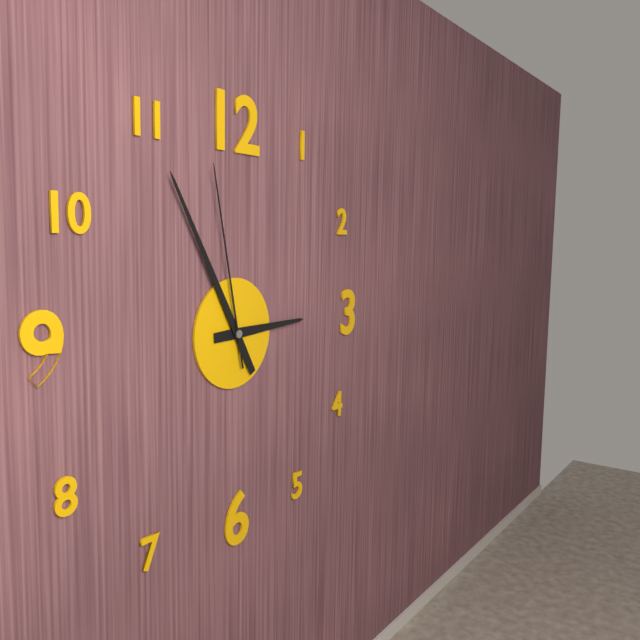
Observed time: 2h55m58s
